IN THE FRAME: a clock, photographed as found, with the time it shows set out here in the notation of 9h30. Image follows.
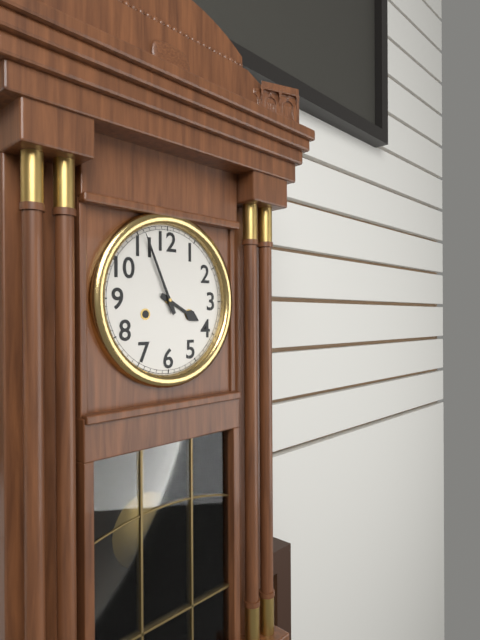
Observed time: 3h56
